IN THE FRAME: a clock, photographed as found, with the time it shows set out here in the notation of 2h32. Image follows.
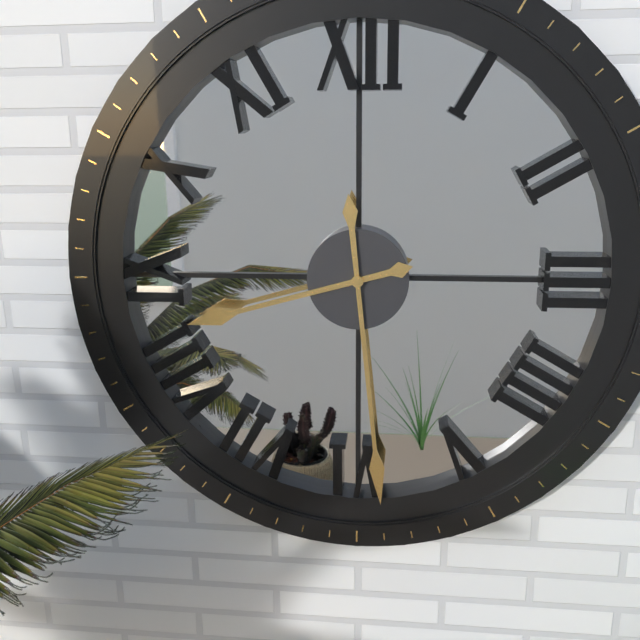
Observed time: 8h29
